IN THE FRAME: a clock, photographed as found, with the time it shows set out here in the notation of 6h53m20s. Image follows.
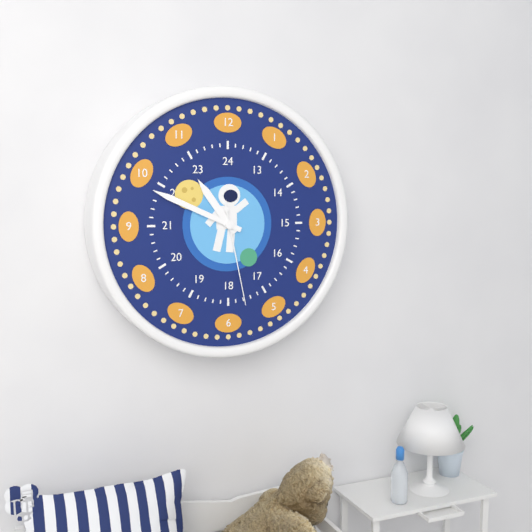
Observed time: 10h49m28s
